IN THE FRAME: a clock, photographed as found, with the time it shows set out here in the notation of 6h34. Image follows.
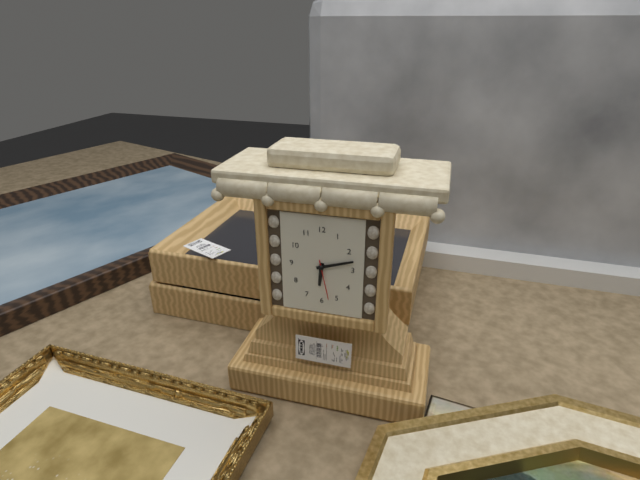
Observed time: 6h12
